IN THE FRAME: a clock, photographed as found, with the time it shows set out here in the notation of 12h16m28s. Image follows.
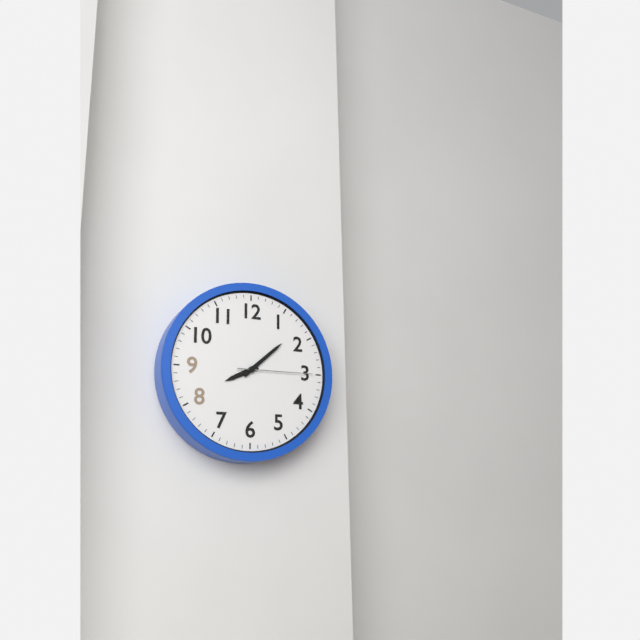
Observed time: 8h08m15s
